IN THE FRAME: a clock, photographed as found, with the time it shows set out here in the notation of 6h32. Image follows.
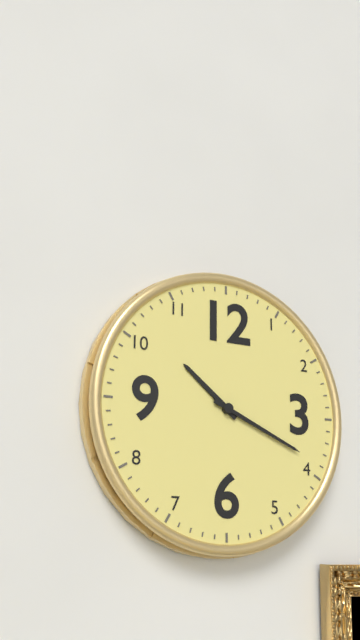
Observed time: 10h19
